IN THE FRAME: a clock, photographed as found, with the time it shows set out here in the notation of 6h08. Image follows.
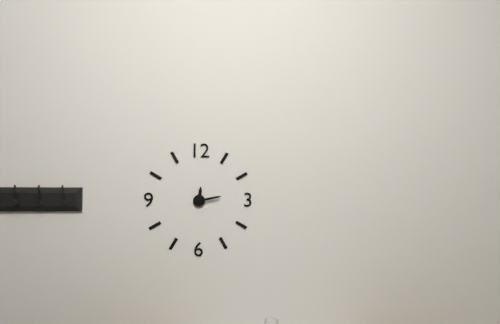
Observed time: 12h13
